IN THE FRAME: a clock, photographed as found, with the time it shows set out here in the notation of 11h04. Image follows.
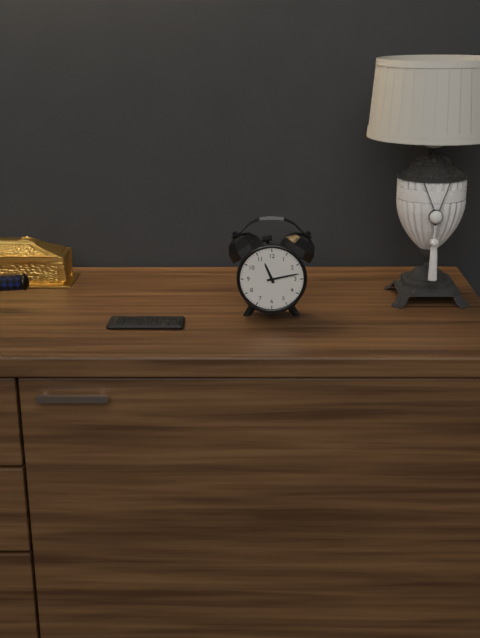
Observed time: 11h13
